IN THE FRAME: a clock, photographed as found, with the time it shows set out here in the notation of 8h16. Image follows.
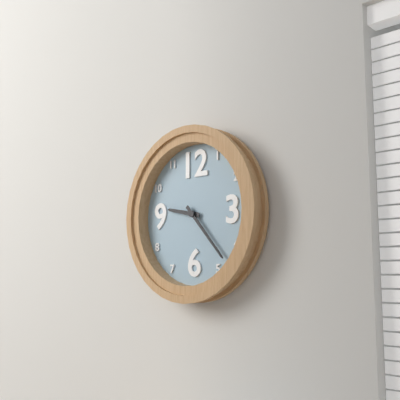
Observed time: 9h23
